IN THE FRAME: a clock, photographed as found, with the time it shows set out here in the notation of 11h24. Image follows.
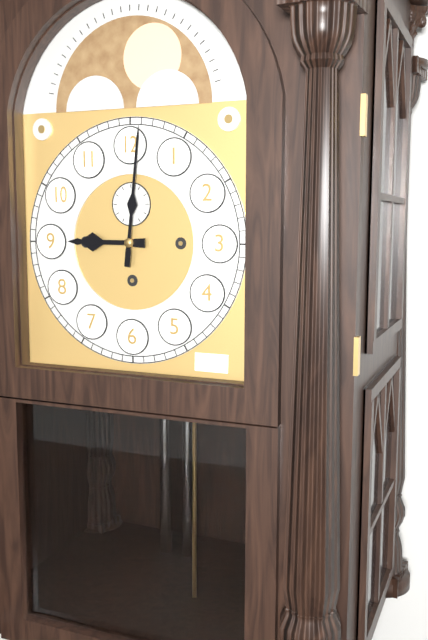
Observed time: 9h01
